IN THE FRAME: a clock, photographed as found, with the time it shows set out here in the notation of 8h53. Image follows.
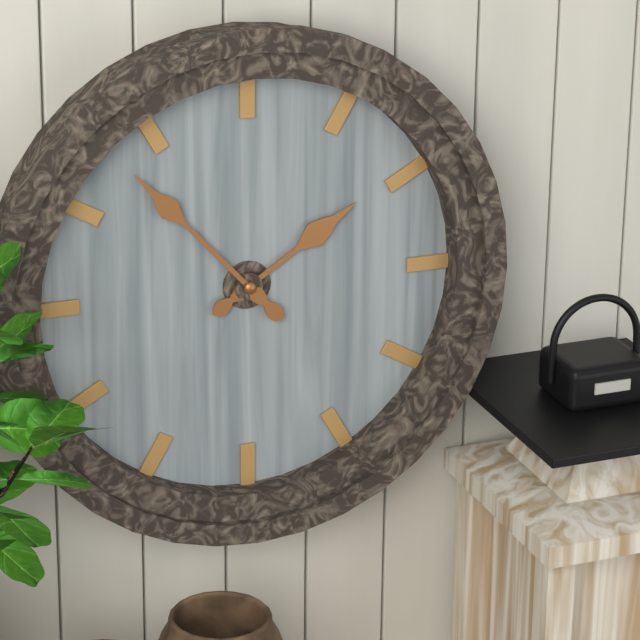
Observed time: 1h53
